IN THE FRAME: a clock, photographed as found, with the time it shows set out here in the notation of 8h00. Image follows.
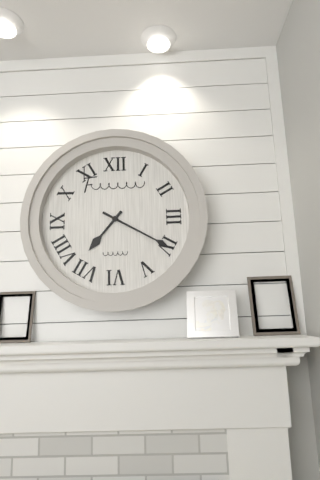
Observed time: 7h20
